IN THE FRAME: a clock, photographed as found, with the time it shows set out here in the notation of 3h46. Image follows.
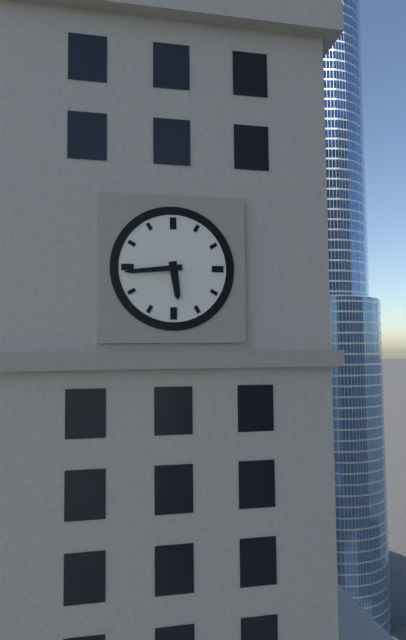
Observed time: 5h44
